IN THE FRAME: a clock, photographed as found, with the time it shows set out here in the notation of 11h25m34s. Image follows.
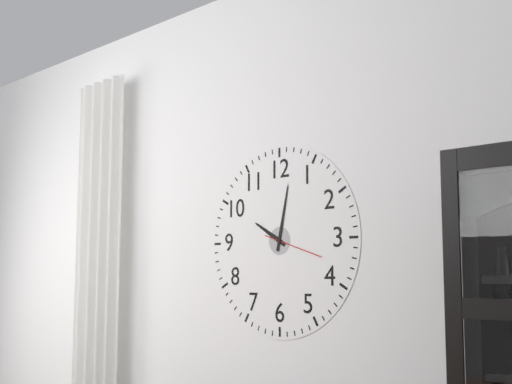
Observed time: 10h02m18s
